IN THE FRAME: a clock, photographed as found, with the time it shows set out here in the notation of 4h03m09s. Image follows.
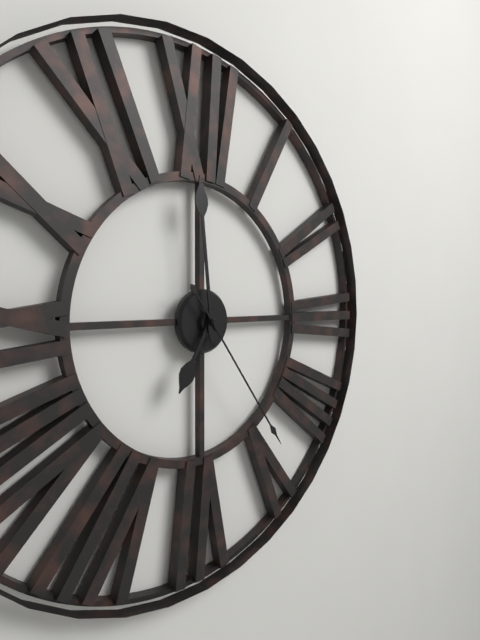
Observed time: 6h59m24s
